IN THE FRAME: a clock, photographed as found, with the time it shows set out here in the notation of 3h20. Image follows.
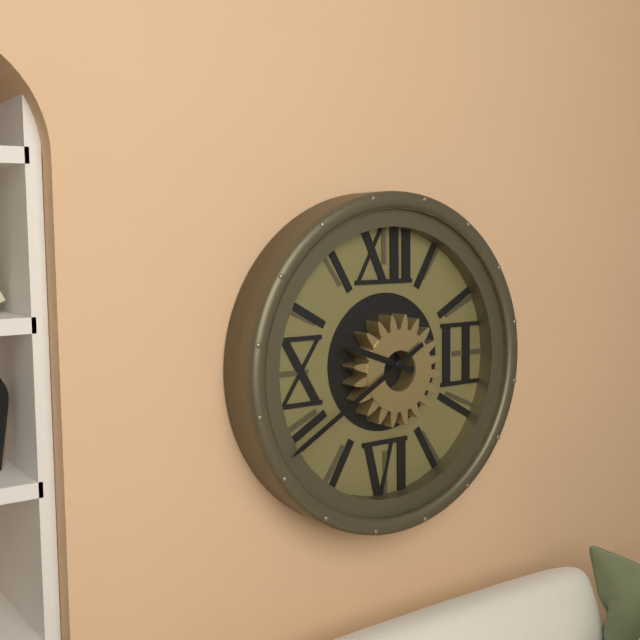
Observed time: 9h40
